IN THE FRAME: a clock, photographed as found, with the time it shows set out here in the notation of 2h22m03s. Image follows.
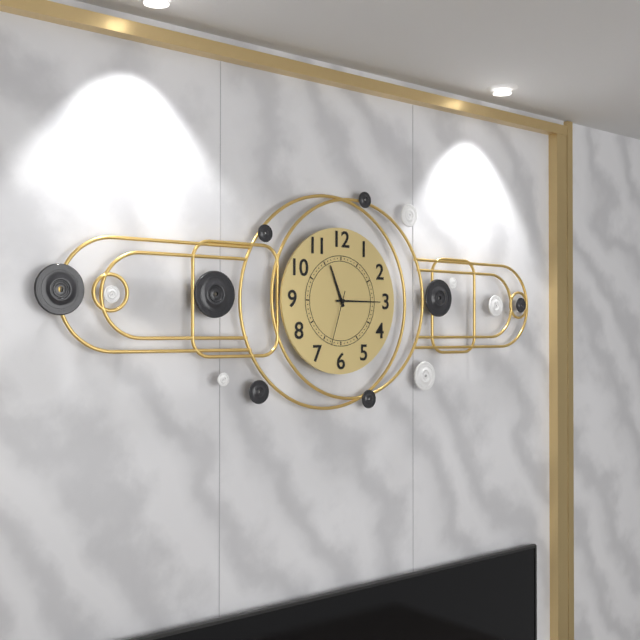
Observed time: 11h15m33s
